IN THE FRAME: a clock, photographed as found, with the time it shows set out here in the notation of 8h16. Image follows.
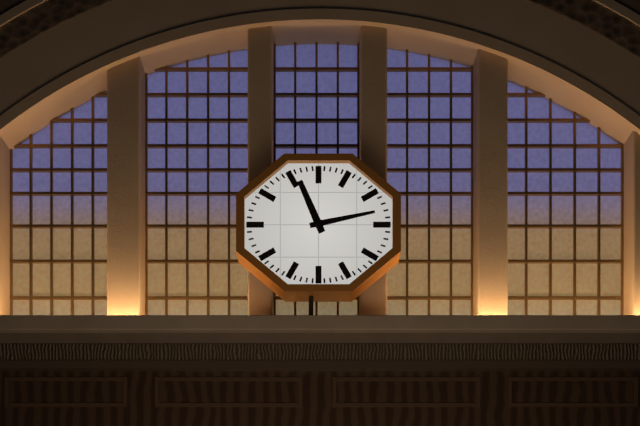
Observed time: 11h13
